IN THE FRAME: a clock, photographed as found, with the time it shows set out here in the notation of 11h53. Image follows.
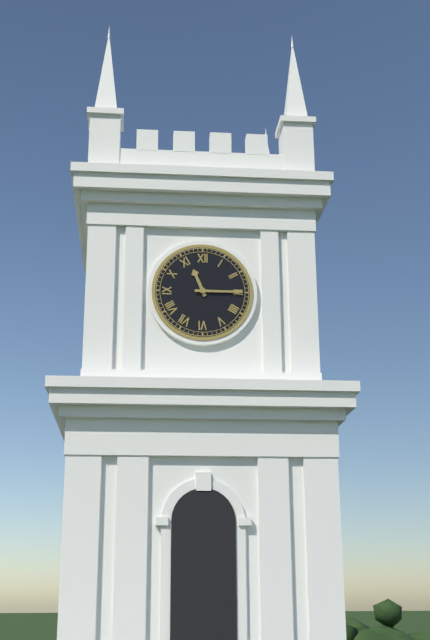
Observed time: 11h15
